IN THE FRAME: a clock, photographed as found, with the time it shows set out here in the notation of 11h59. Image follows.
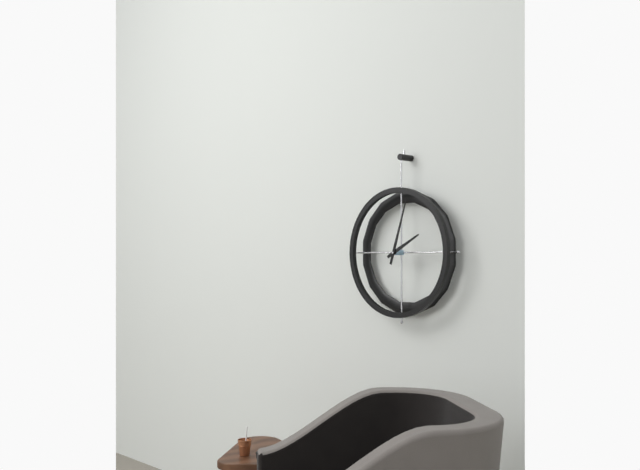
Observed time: 2h03
